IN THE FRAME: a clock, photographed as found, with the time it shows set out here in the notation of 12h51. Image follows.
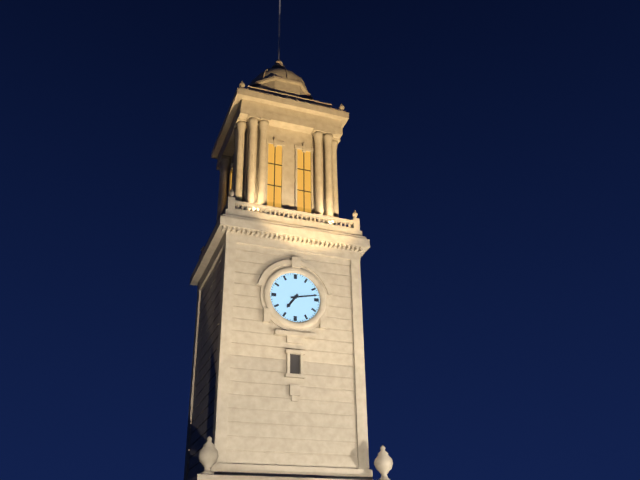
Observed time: 7h13
